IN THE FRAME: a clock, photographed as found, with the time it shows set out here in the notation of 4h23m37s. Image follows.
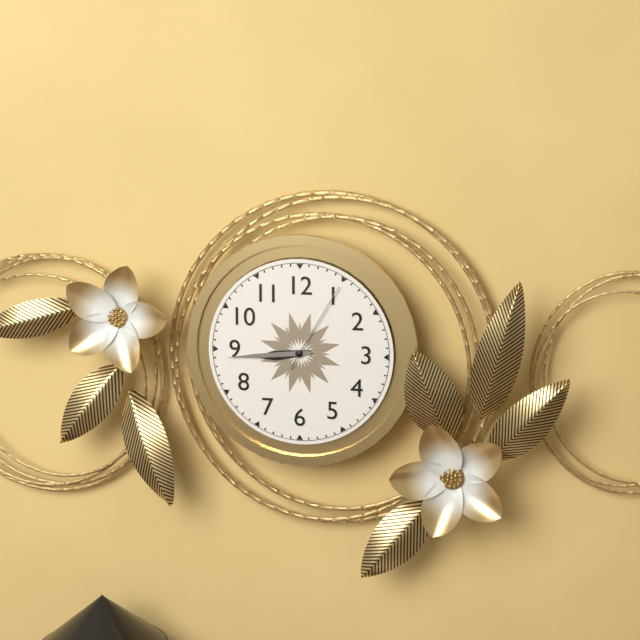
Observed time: 8h44m05s
